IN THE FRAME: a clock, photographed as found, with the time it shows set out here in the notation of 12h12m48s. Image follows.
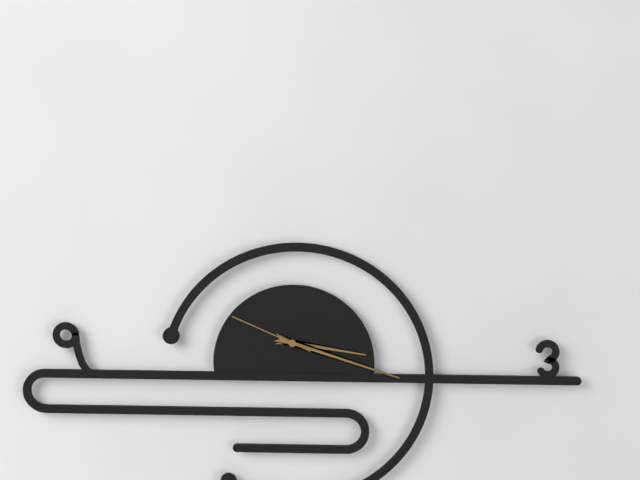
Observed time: 3h18m49s
